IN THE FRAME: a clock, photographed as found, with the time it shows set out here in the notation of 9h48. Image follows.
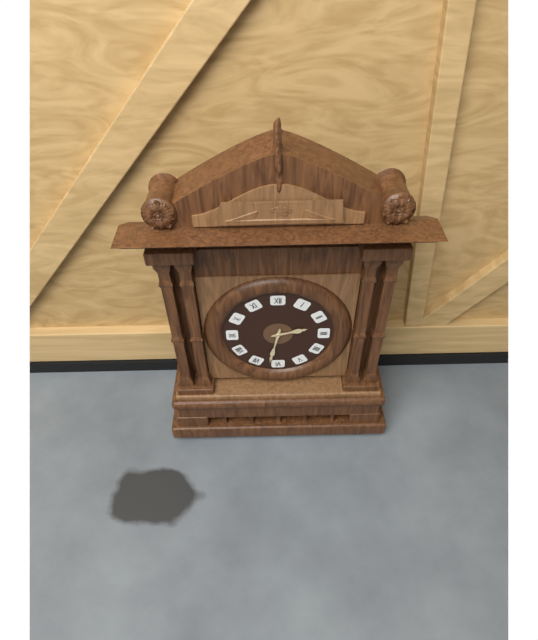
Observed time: 2h32
